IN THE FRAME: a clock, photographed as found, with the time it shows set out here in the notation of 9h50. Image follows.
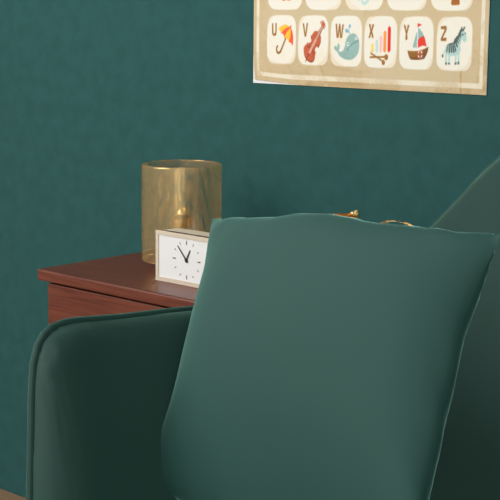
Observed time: 12h53
